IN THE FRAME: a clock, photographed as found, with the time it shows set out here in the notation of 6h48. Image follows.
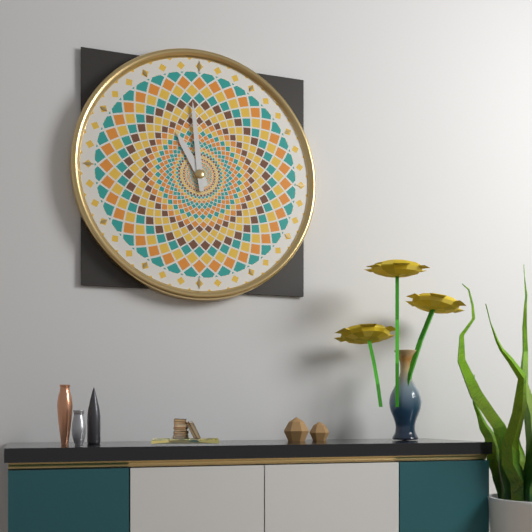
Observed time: 10h59
